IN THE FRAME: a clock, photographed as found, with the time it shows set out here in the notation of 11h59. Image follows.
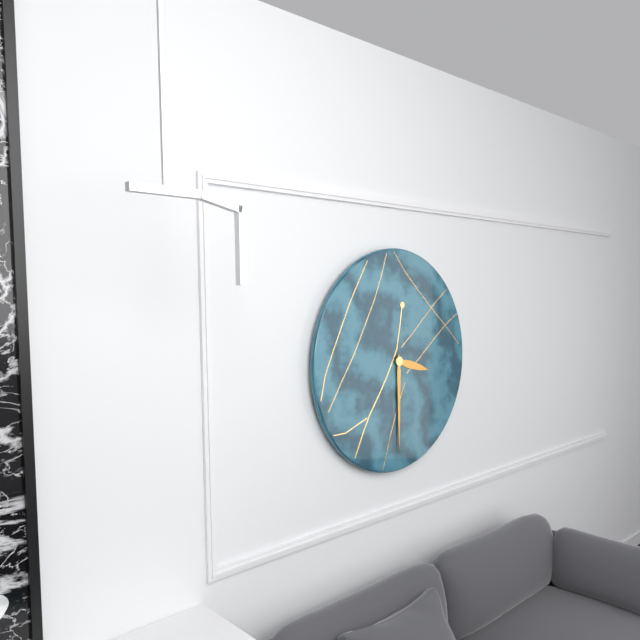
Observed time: 3h30
